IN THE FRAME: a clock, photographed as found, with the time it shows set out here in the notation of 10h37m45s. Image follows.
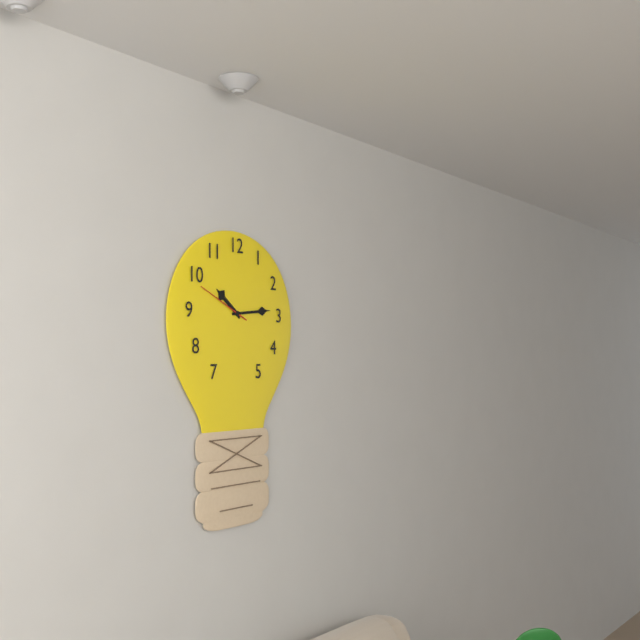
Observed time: 10h14m49s
